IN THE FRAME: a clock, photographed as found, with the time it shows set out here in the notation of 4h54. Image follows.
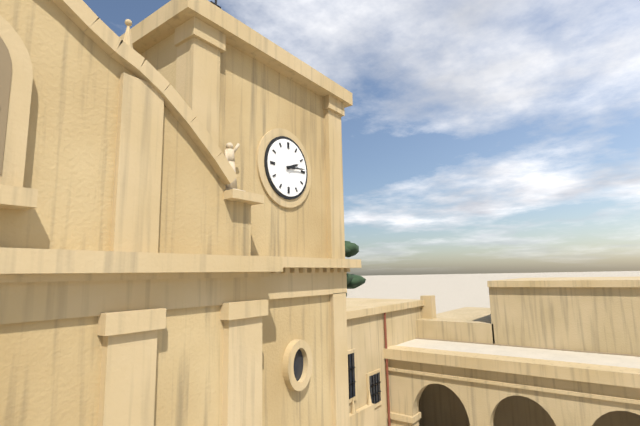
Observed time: 2h14
